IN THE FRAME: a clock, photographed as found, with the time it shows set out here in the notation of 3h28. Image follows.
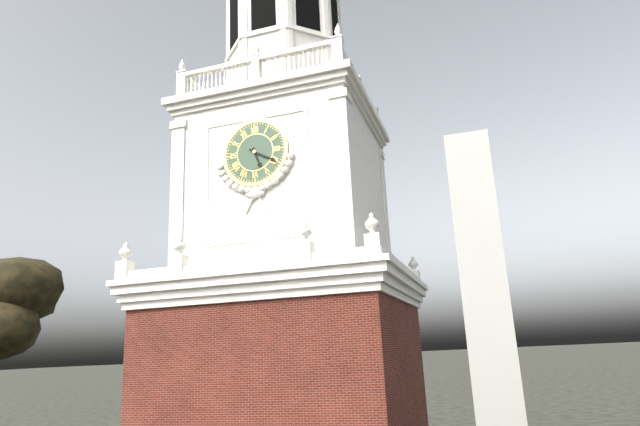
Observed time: 5h20
